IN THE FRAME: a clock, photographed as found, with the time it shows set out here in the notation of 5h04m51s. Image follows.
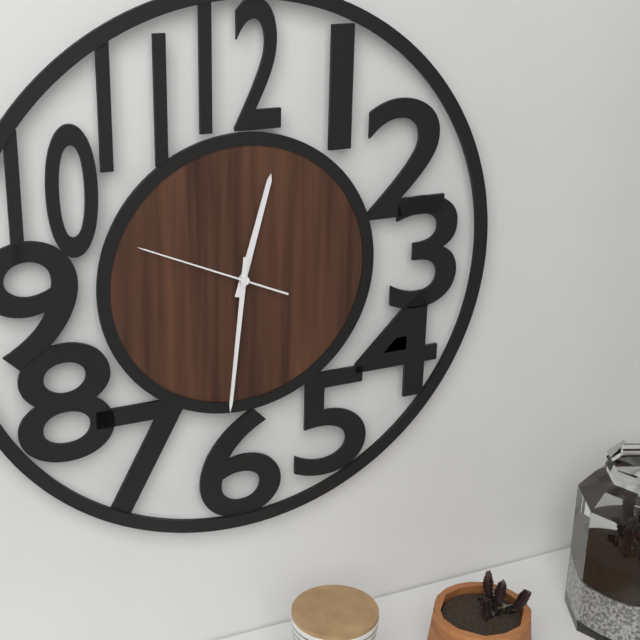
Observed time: 12h31m49s
